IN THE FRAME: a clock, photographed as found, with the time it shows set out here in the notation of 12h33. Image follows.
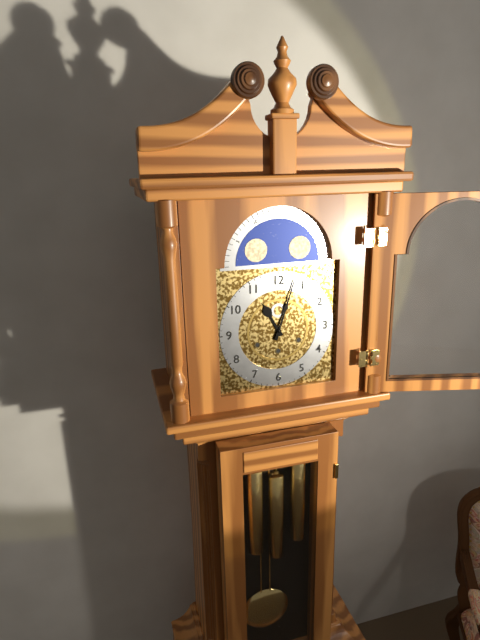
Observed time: 11h03
